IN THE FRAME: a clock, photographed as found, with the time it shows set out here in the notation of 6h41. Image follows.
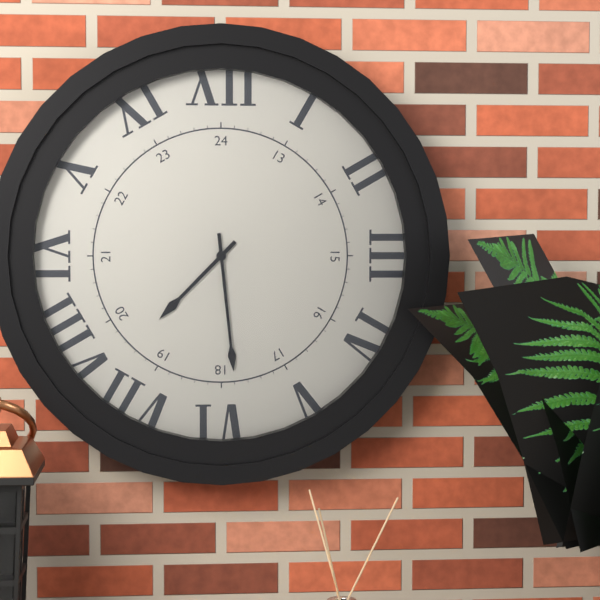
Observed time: 7h29
